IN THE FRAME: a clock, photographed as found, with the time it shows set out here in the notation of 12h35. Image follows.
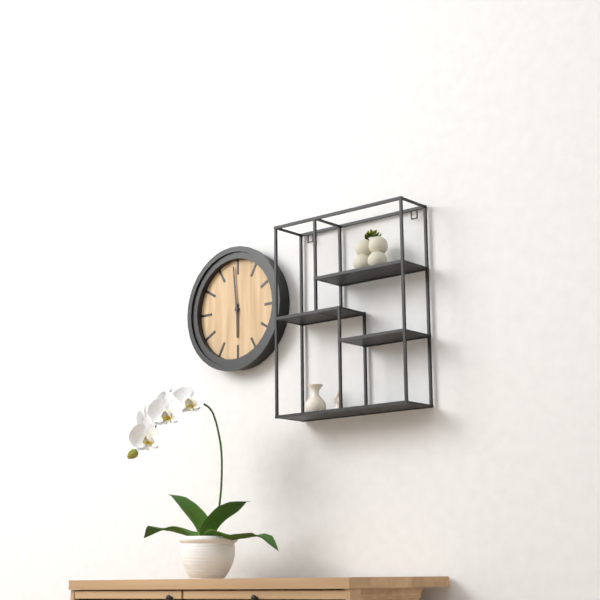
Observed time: 5h59
